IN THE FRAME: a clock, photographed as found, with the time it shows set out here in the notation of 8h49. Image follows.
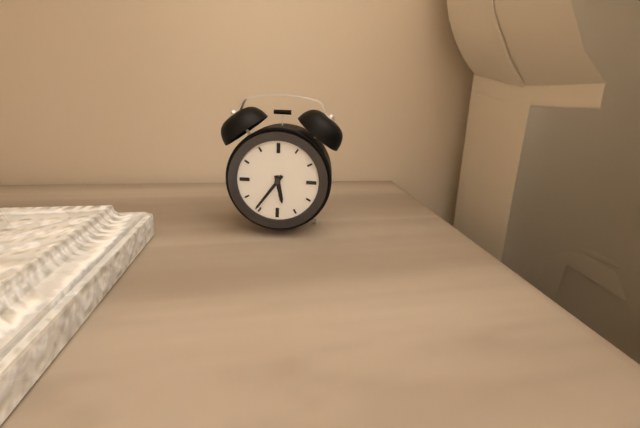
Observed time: 5h36
